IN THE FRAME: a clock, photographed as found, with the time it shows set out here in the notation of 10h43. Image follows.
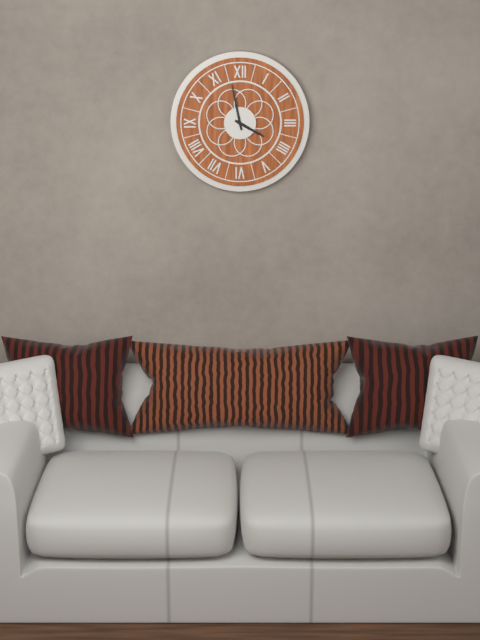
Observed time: 3h58
